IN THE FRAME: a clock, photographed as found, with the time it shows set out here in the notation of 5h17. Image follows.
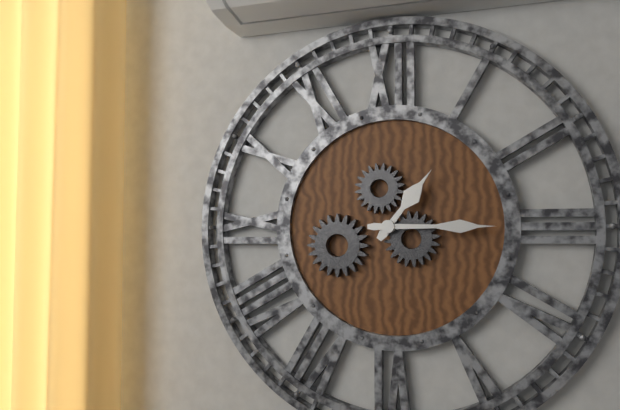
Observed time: 1h15
